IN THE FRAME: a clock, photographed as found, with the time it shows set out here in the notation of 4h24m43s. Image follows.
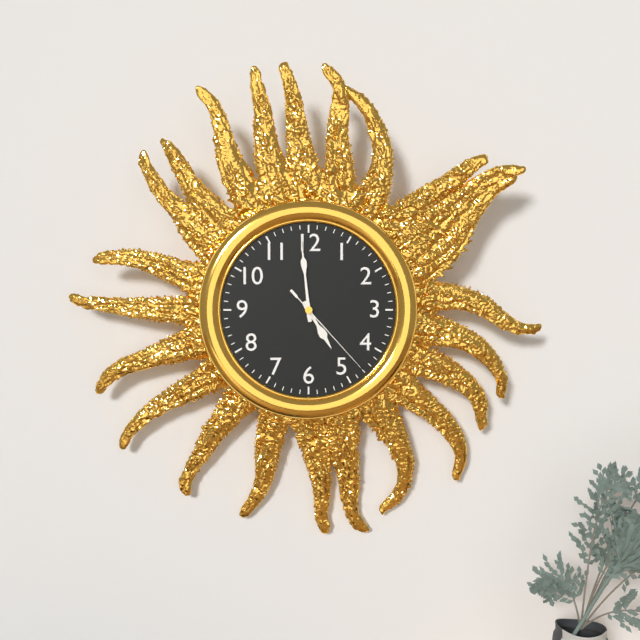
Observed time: 4h59m23s
